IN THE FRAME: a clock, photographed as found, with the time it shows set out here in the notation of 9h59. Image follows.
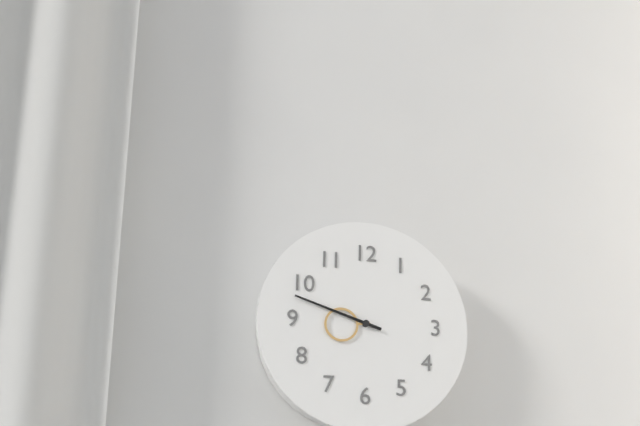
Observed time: 8h48
